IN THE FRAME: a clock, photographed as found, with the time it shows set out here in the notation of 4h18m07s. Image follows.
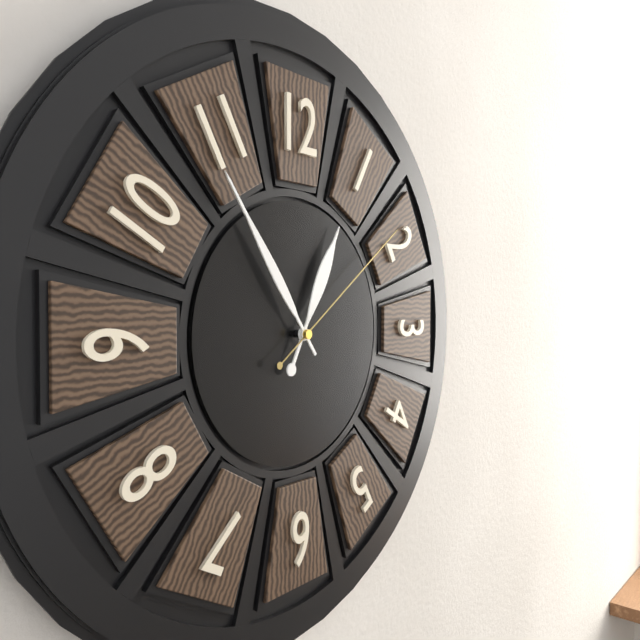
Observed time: 12h54m09s
